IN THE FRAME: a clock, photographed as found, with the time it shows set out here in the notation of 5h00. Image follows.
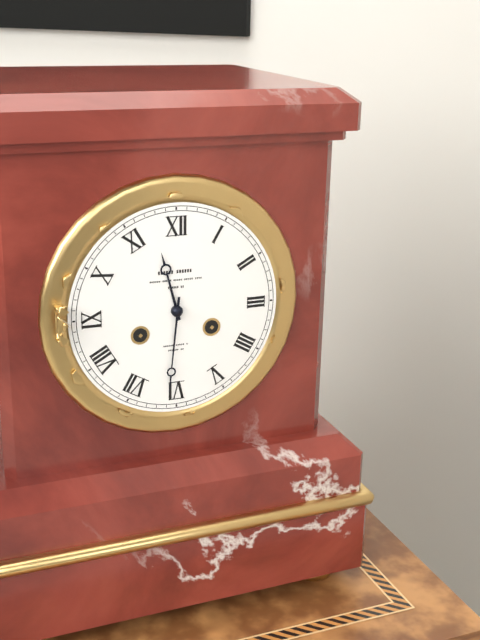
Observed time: 11h31
